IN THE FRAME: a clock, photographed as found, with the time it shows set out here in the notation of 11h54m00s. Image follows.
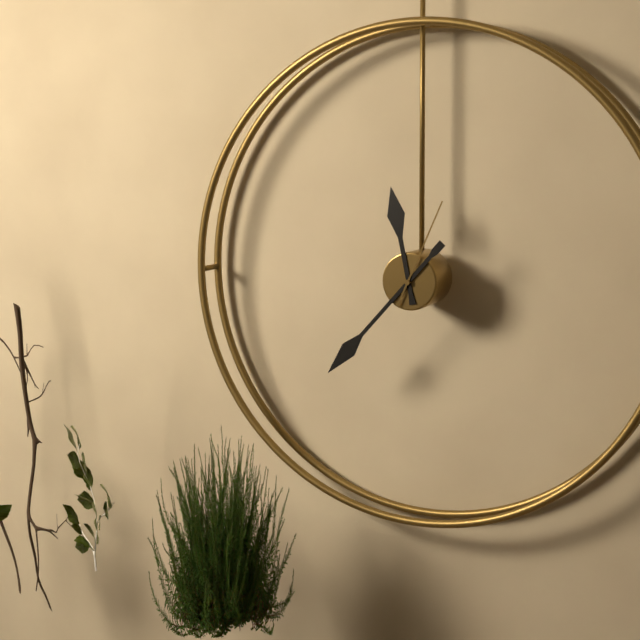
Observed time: 11h37m04s
